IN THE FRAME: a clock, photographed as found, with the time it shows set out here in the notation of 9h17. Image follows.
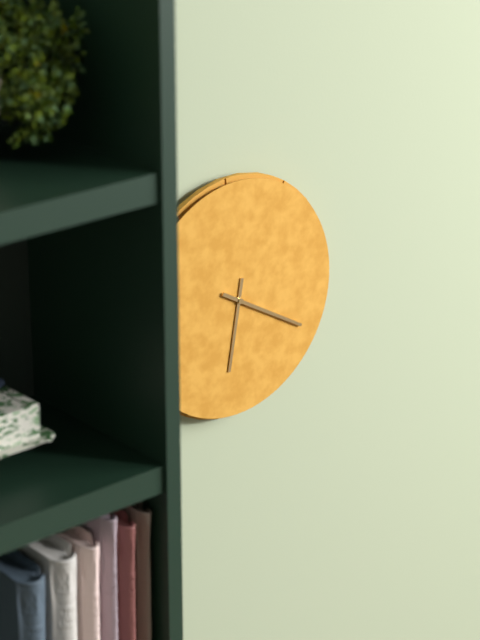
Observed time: 6h20
